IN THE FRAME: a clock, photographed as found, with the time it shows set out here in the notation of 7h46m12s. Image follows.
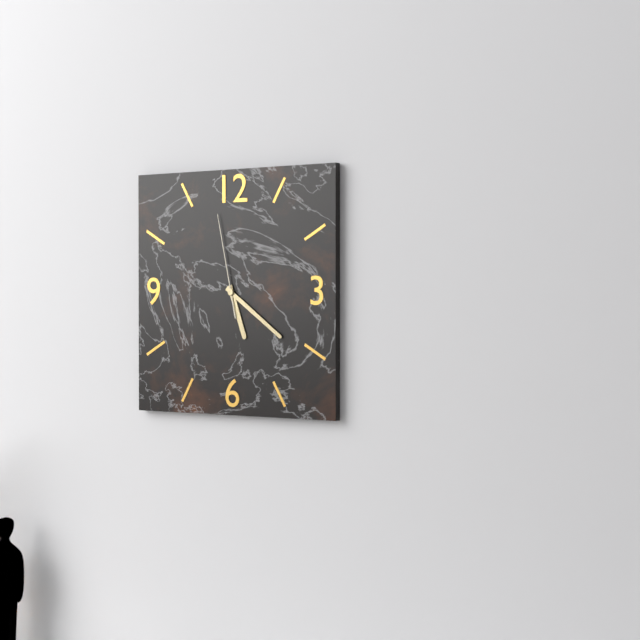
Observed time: 5h21m58s
